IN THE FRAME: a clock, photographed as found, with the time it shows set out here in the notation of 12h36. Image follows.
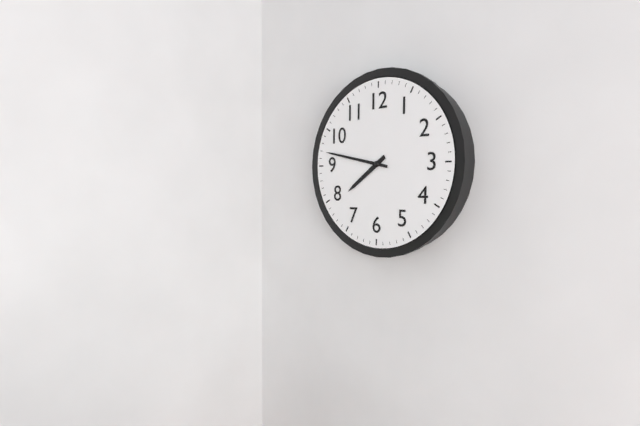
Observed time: 7h47
